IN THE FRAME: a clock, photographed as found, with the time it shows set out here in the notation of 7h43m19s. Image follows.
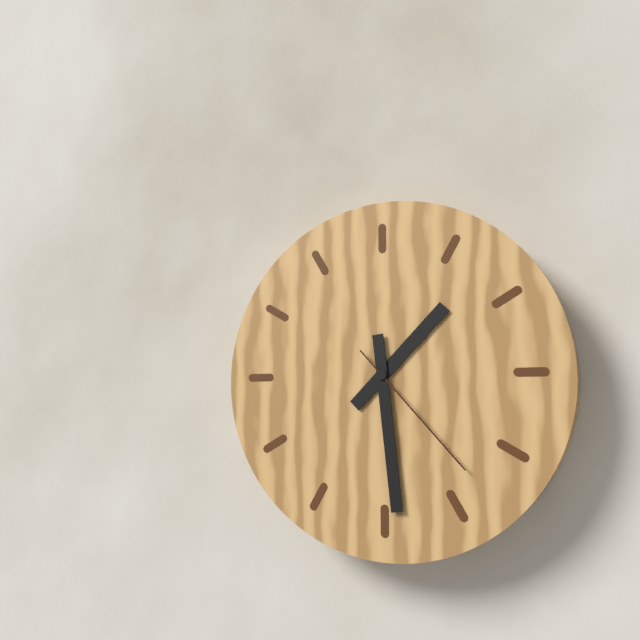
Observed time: 1h29m23s
